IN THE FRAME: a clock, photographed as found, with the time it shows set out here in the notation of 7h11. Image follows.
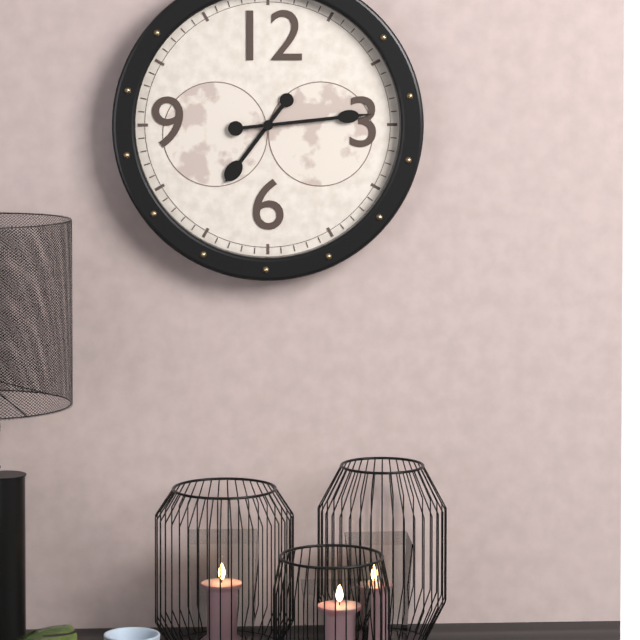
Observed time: 7h14
